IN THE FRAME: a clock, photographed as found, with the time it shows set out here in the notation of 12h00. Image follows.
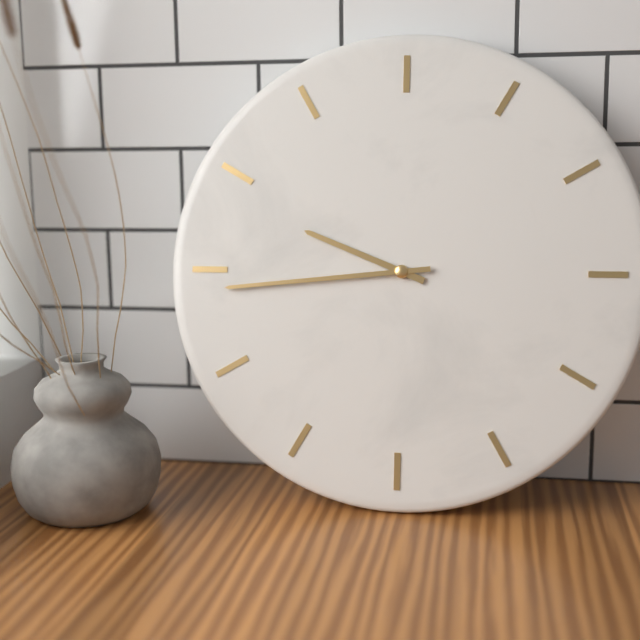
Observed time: 9h44
